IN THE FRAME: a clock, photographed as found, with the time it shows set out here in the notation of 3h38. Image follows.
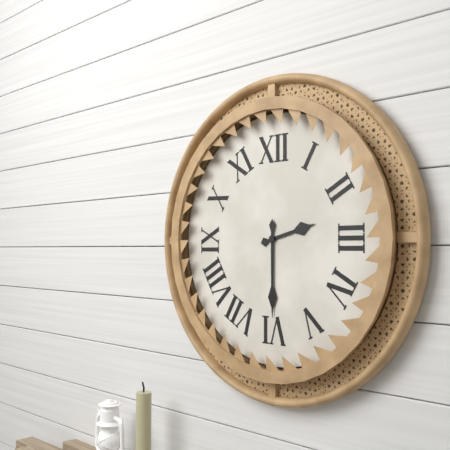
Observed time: 2h30
